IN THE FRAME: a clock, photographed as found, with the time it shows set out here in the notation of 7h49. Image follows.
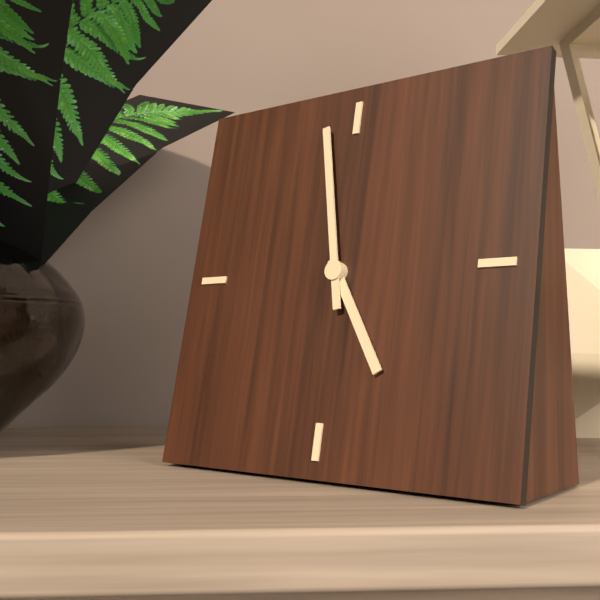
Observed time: 4h58
